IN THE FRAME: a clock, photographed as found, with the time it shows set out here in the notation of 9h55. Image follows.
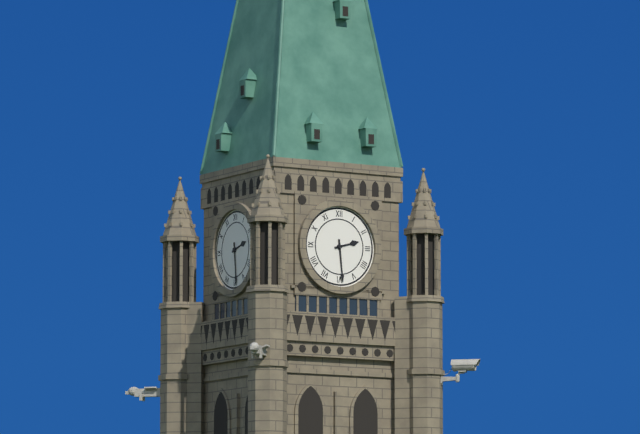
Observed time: 2h29
